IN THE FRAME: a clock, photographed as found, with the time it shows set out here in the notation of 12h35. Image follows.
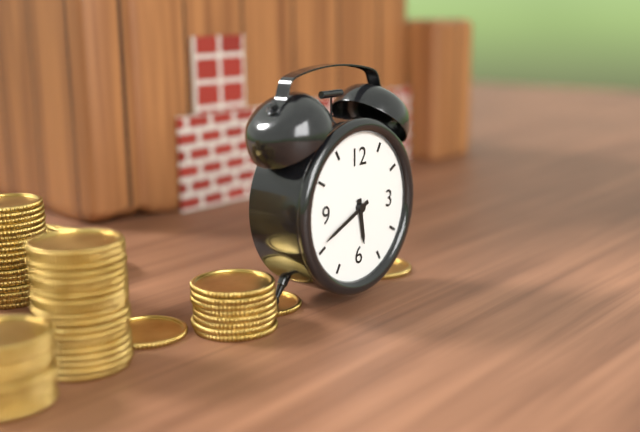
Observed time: 5h41
